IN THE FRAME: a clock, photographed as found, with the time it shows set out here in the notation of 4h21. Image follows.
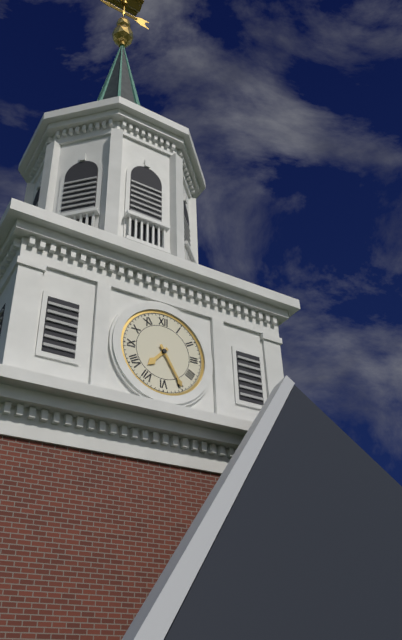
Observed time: 7h25
